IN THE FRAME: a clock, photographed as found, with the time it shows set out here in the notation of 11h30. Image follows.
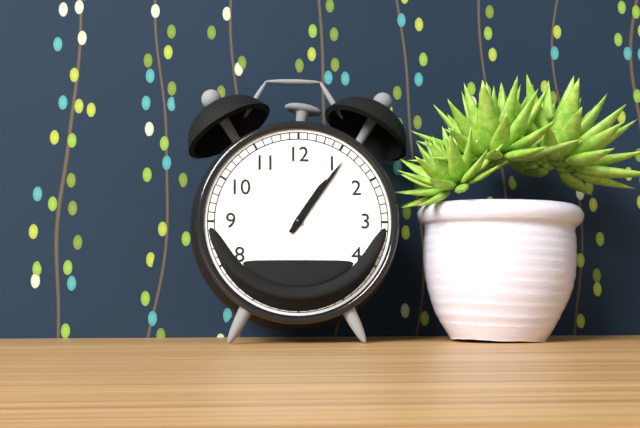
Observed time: 1h06
